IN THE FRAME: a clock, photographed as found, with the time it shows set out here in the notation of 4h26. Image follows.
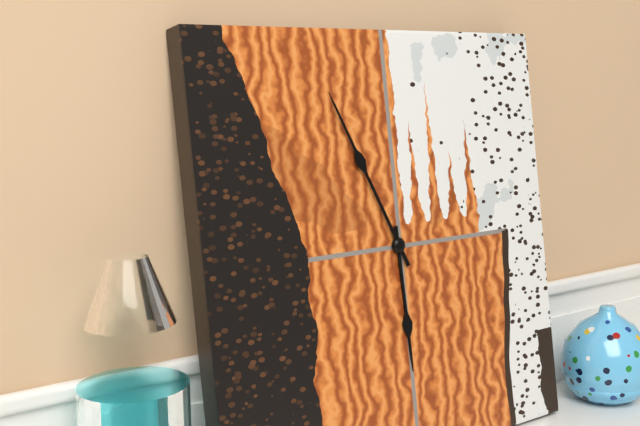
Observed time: 5h56
